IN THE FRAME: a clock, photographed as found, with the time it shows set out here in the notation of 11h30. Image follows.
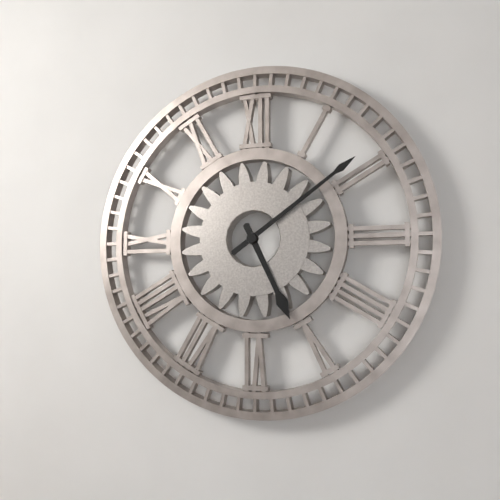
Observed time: 5h09
